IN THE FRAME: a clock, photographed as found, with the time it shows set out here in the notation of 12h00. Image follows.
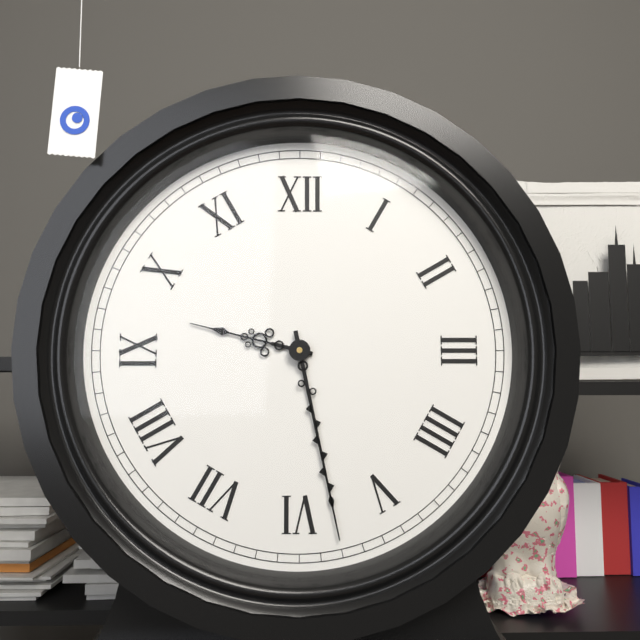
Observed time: 9h28
